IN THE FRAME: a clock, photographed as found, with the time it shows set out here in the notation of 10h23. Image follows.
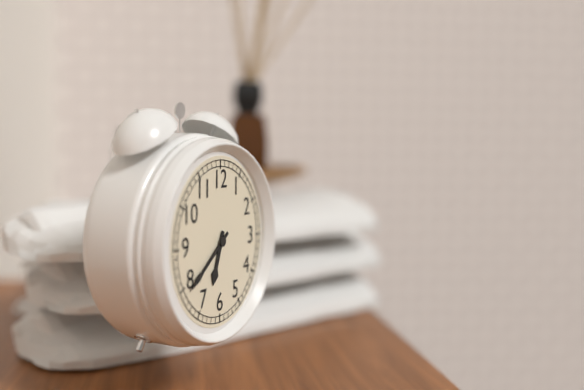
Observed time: 6h39
